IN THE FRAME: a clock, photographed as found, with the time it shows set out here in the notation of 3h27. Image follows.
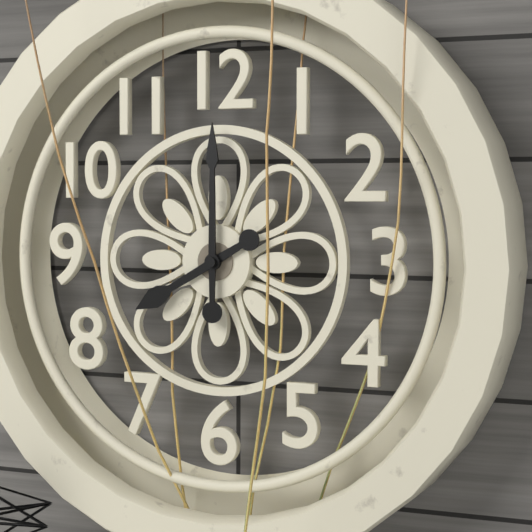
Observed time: 8h00
